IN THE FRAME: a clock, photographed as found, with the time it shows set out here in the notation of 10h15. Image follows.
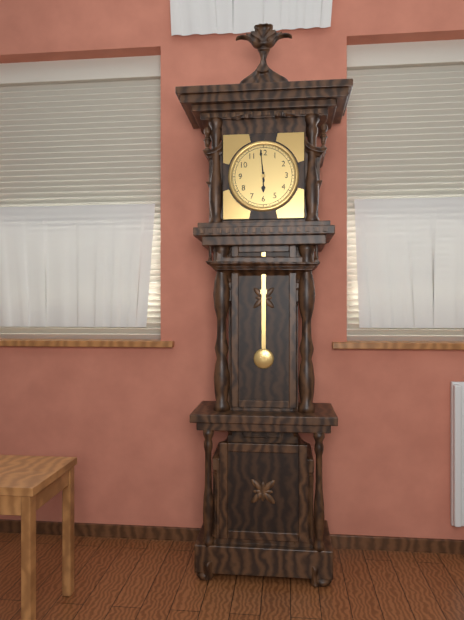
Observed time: 5h59
